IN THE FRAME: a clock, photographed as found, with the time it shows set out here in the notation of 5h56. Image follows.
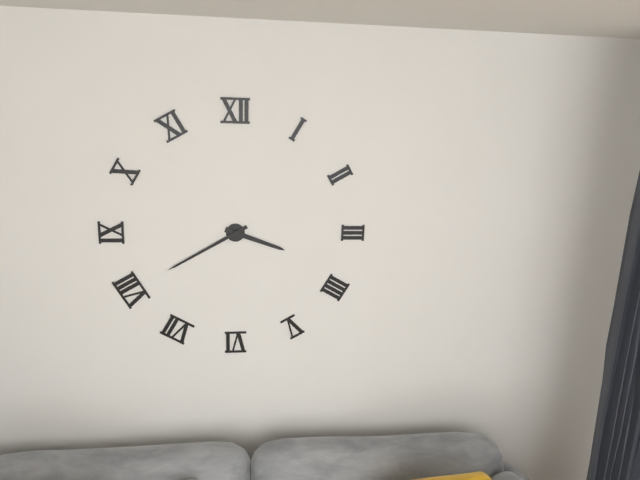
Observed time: 3h40
